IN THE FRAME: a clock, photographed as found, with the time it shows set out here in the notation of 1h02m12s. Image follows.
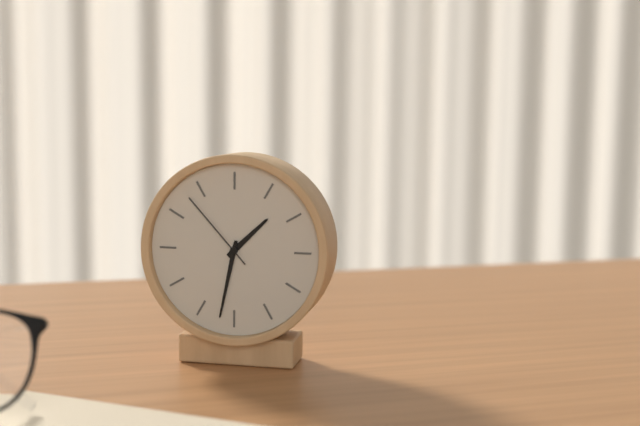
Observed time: 1h32m53s
